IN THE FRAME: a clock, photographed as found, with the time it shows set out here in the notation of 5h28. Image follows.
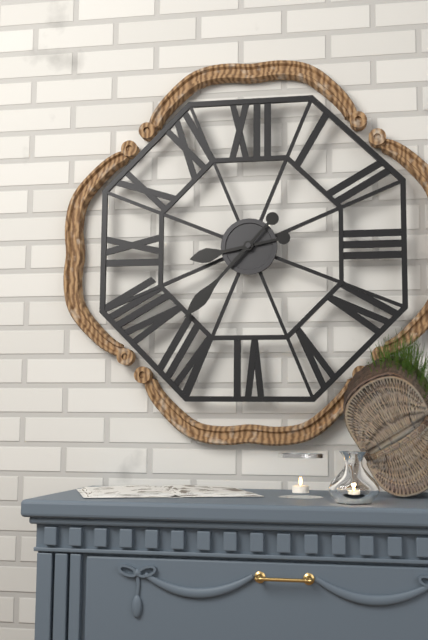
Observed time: 8h37
